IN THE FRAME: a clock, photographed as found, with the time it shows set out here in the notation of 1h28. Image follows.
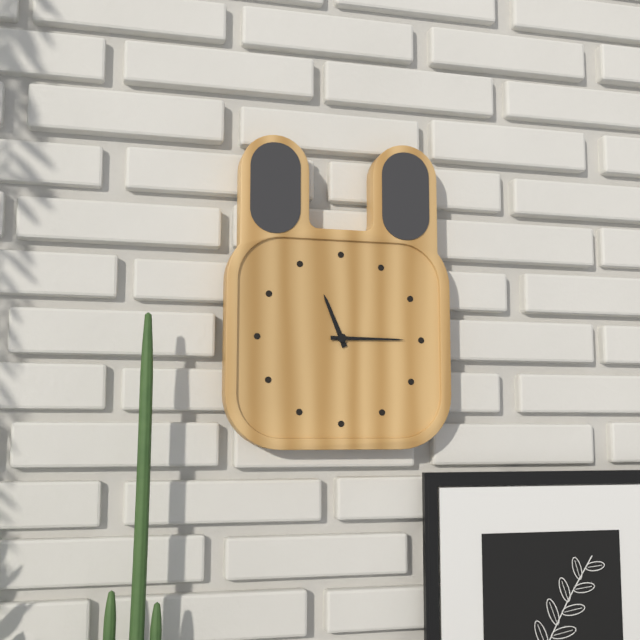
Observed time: 11h15
